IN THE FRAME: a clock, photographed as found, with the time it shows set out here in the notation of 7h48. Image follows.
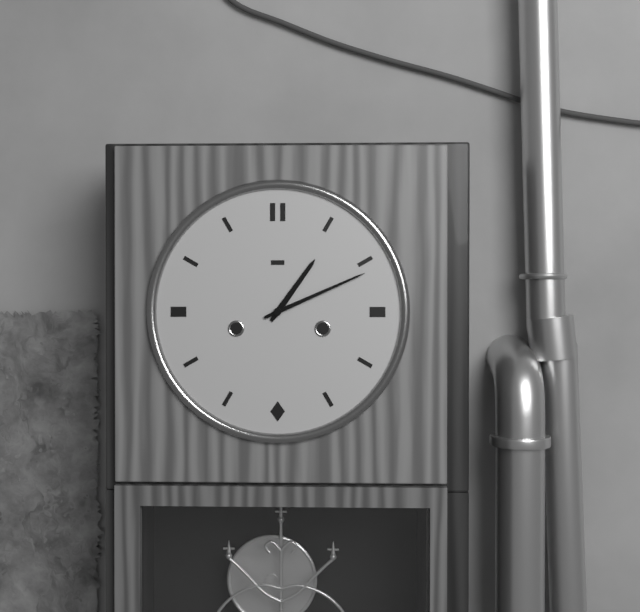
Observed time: 1h11
